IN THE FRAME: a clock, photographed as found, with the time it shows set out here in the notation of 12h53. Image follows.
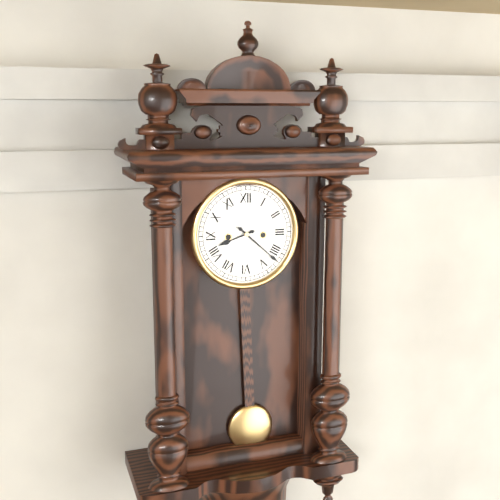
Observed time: 8h22
